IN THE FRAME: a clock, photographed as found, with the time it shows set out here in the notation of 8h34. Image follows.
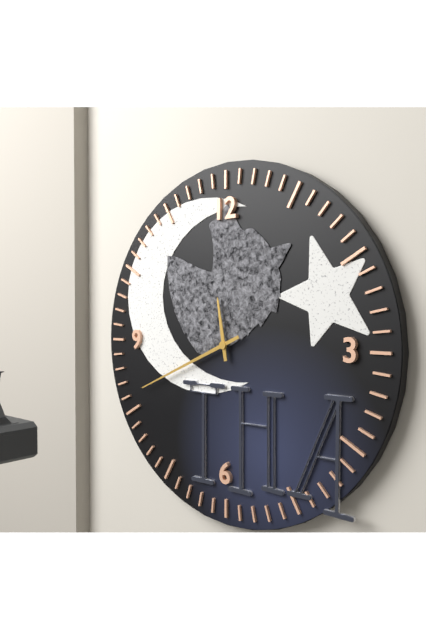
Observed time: 11h41
